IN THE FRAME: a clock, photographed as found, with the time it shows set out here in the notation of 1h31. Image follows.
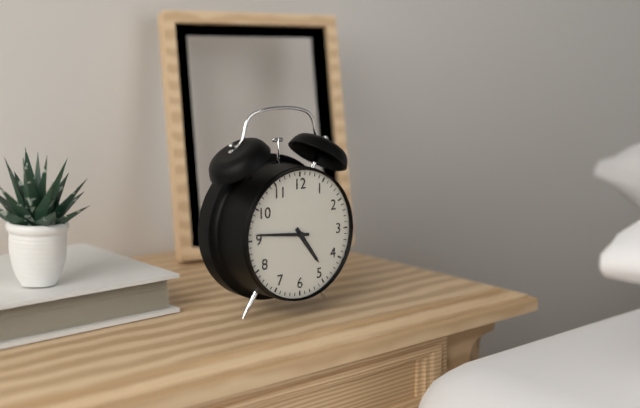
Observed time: 4h46
